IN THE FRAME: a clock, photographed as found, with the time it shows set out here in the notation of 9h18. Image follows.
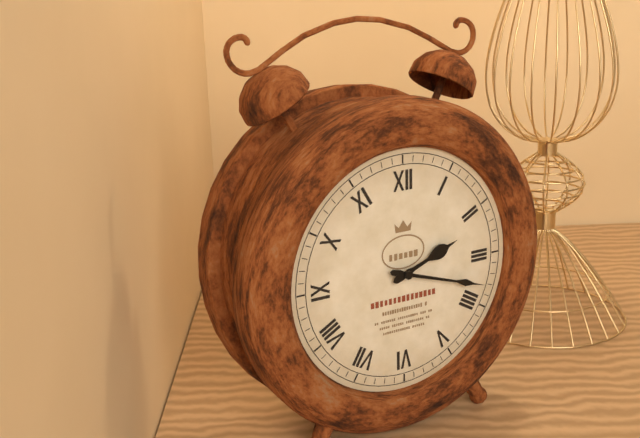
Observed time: 2h18
